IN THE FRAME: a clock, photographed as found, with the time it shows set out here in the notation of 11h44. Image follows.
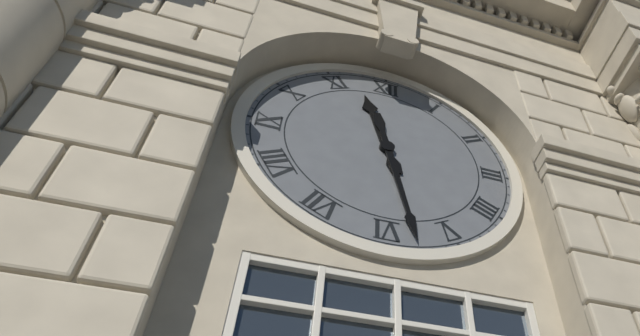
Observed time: 11h28
